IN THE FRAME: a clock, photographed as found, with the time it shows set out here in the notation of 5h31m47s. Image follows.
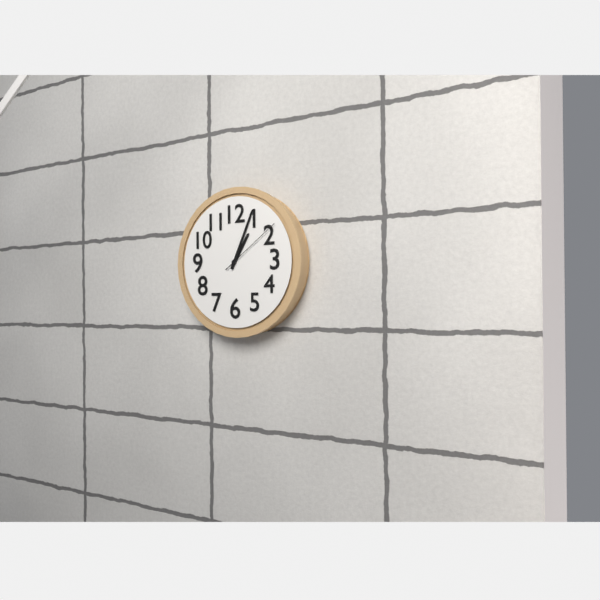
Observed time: 1h04m09s
